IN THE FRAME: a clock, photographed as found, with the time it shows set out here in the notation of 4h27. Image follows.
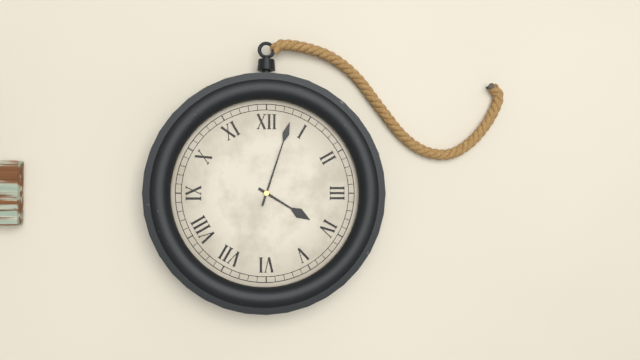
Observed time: 4h03
